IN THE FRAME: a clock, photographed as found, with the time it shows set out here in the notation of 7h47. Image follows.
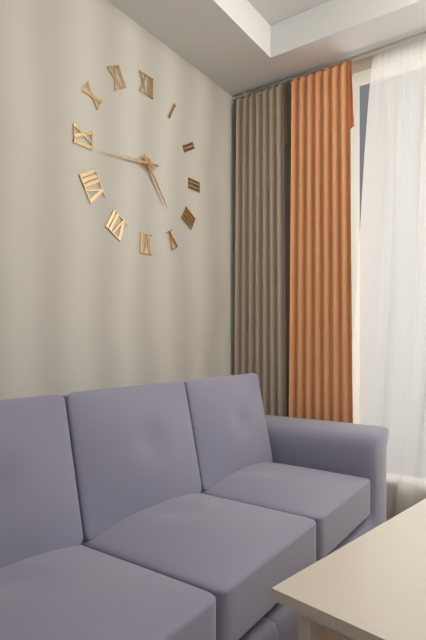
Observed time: 4h44
